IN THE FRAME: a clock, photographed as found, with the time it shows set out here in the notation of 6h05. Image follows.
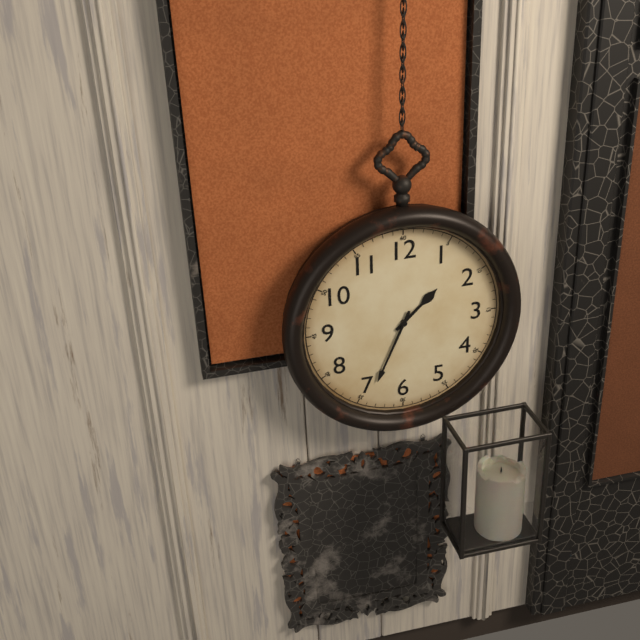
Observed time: 1h34
